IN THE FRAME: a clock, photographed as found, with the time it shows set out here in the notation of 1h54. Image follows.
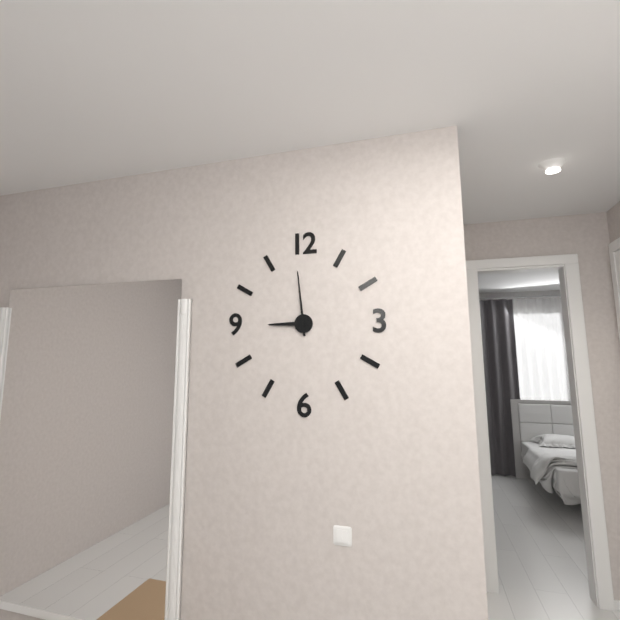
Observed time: 8h59
